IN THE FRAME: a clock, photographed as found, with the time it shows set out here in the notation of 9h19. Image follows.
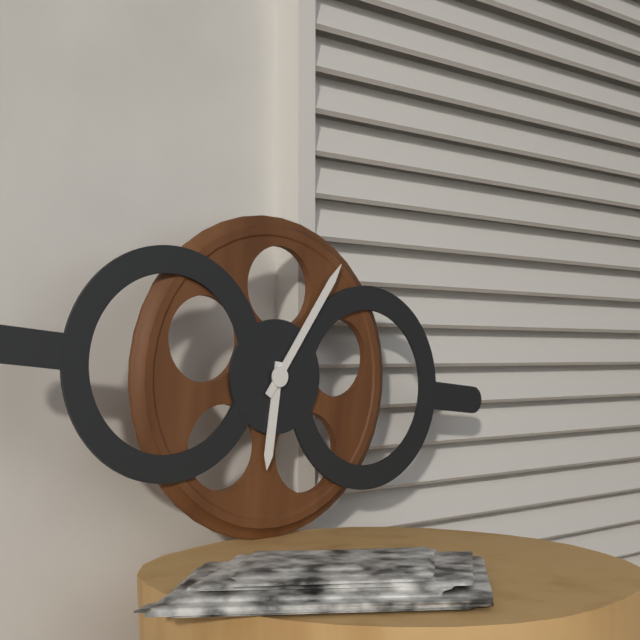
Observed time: 6h05
